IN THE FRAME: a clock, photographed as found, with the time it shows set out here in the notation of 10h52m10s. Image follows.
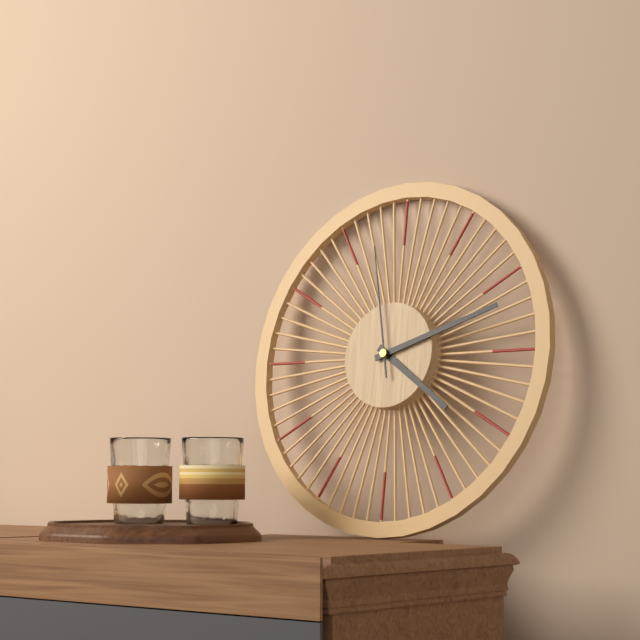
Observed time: 4h12m58s
